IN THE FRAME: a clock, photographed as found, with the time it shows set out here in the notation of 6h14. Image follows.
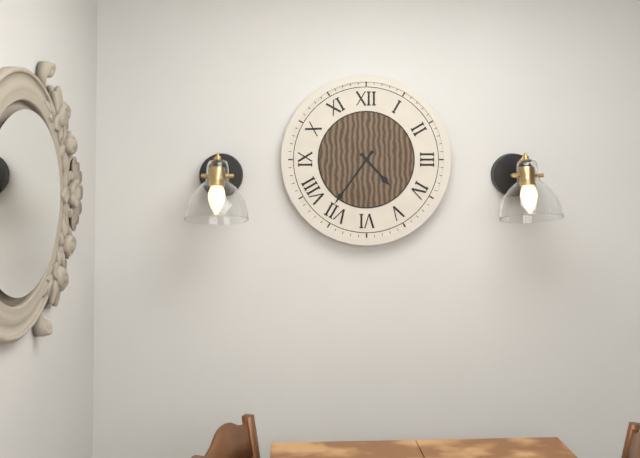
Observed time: 4h36
